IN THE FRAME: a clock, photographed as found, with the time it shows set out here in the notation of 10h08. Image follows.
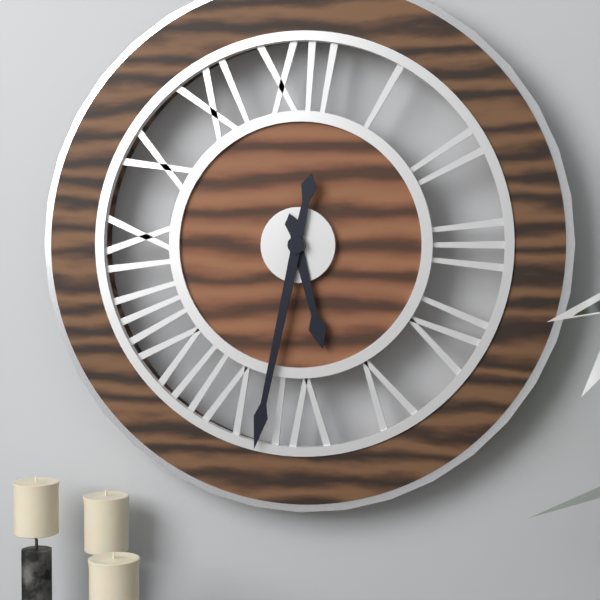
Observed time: 5h32
